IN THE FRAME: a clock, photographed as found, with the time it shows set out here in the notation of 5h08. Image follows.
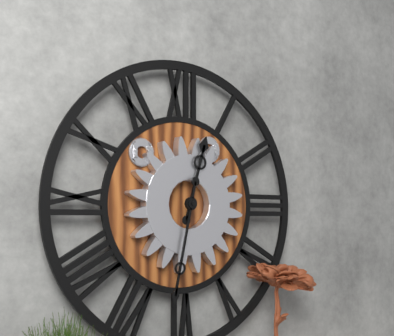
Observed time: 12h32
